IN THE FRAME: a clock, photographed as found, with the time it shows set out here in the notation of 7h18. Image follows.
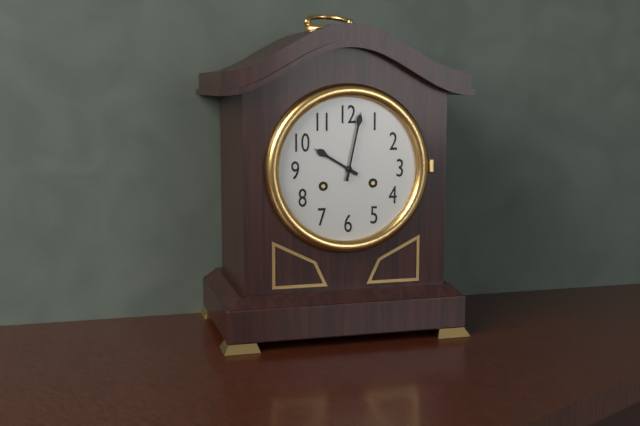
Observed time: 10h02
